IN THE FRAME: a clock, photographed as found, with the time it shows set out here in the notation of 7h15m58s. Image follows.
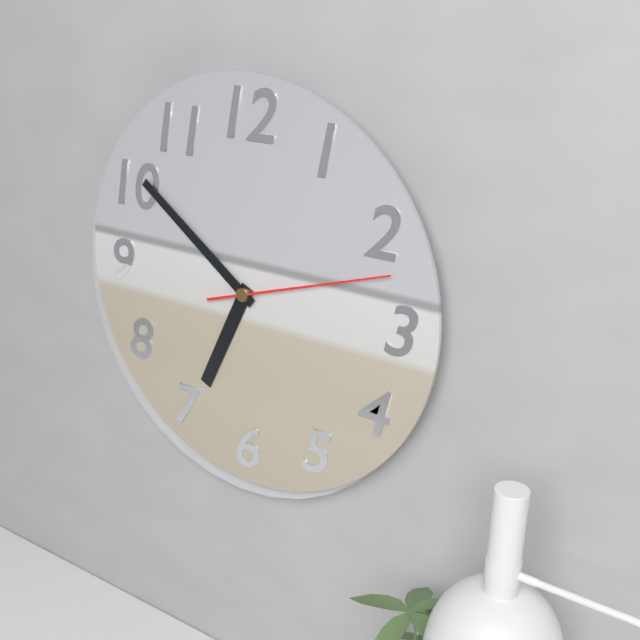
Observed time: 6h51m12s
